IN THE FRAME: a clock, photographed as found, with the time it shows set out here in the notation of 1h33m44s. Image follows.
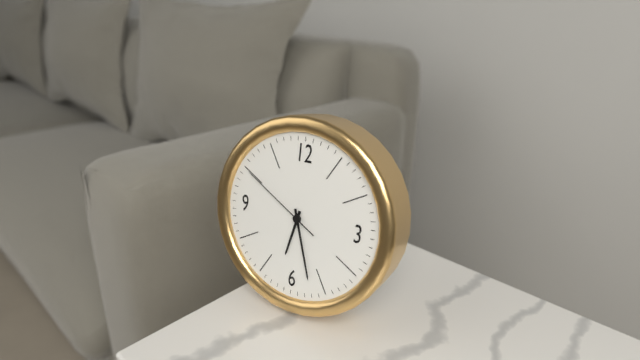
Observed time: 6h27m50s
